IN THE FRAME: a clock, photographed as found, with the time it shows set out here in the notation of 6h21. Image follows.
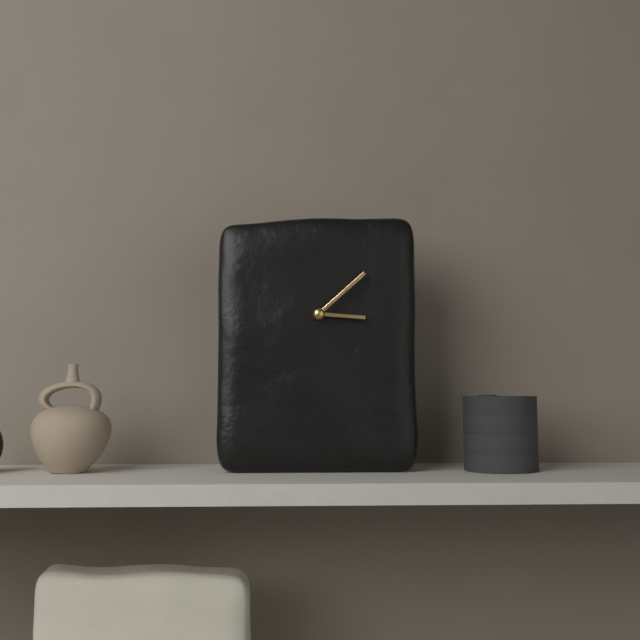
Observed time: 3h08
